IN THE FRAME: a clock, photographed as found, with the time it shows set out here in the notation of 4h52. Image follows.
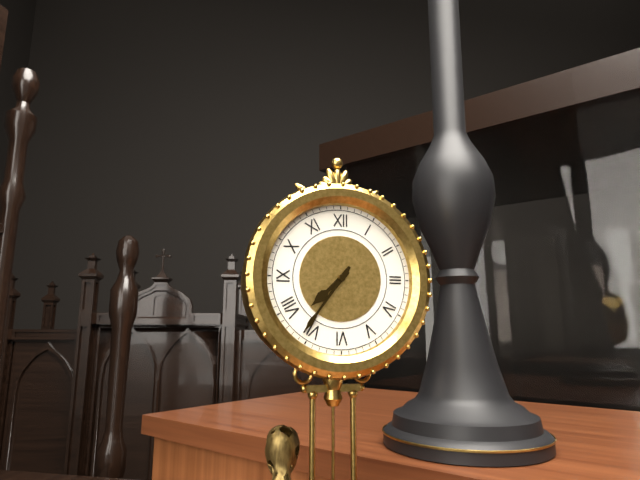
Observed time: 7h36
